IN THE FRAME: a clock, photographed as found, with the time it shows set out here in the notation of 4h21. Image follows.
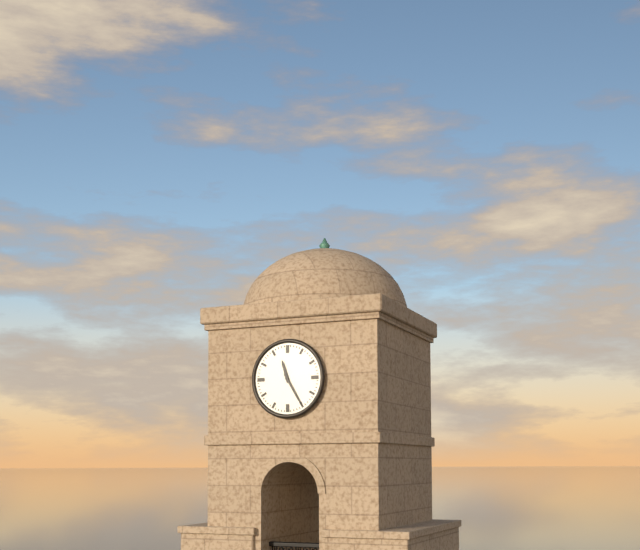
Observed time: 11h25
